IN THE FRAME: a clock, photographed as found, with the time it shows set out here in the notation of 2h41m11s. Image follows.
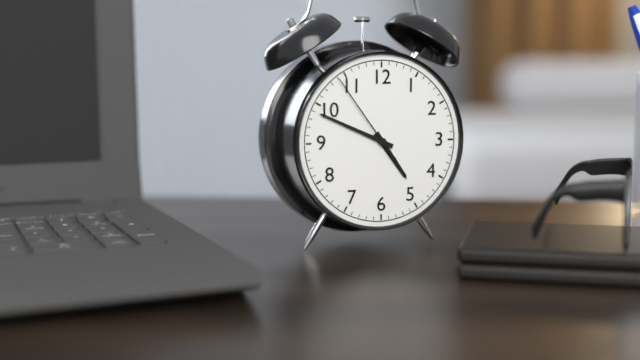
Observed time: 4h49m54s
